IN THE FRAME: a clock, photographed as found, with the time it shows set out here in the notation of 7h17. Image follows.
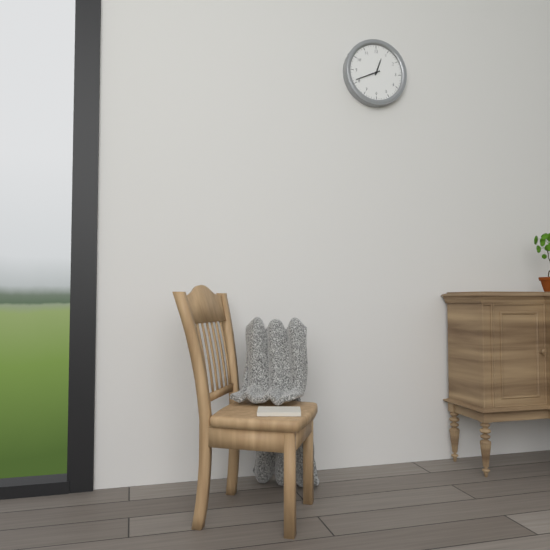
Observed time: 12h41
